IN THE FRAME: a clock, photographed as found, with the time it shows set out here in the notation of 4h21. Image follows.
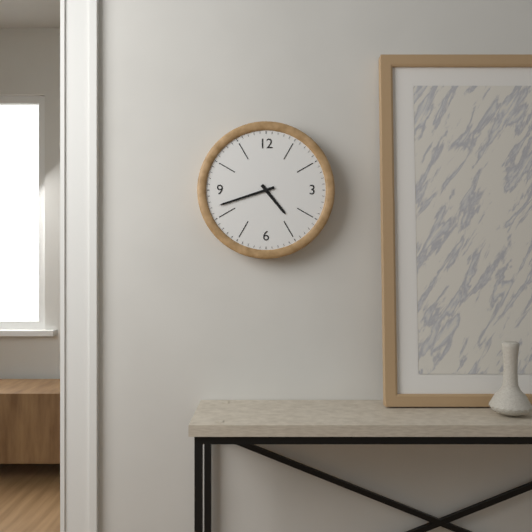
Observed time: 4h42
